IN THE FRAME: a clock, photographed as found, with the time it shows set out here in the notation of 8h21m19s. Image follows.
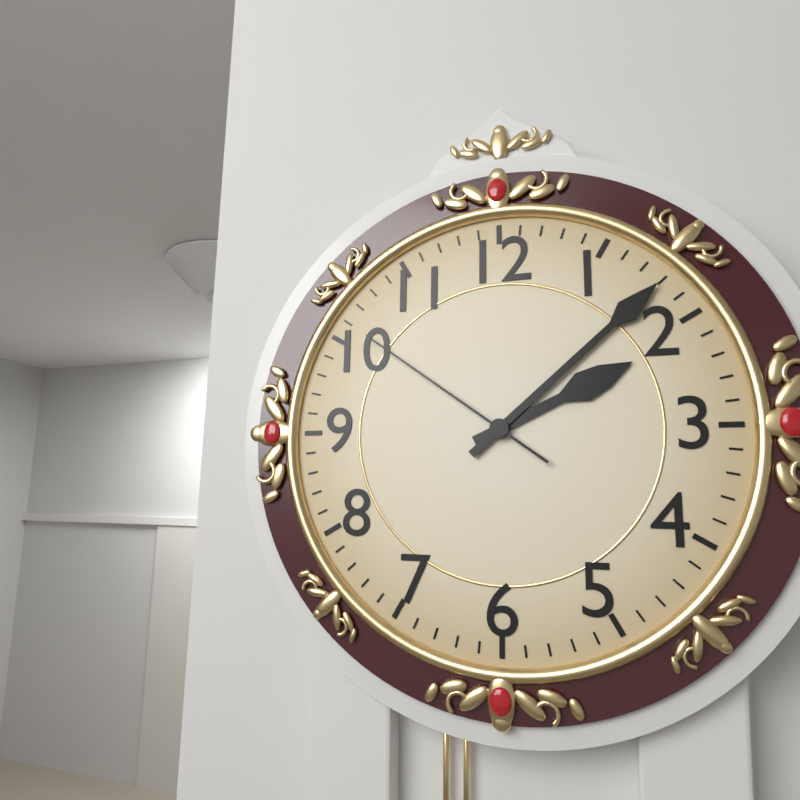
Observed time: 2h08m51s
